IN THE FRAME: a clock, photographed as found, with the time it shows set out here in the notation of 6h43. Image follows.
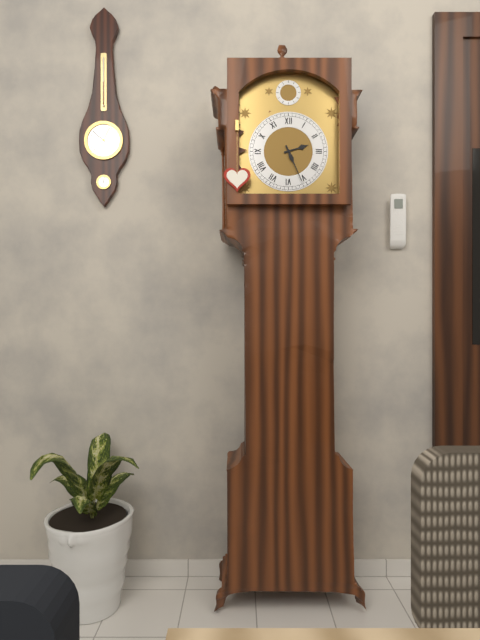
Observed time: 2h26
